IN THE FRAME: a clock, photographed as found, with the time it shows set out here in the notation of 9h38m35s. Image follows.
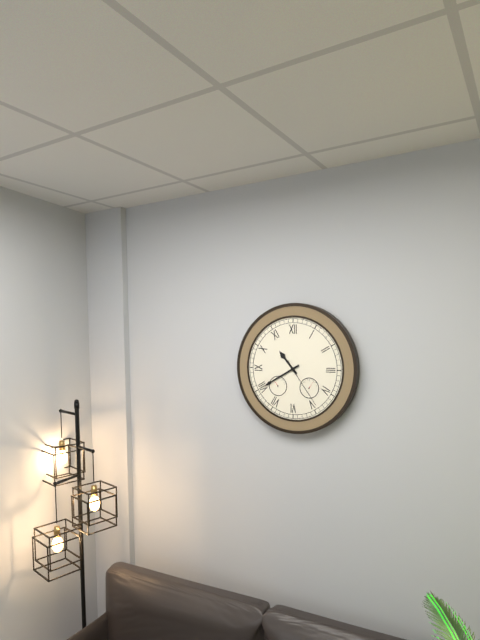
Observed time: 10h40m24s
